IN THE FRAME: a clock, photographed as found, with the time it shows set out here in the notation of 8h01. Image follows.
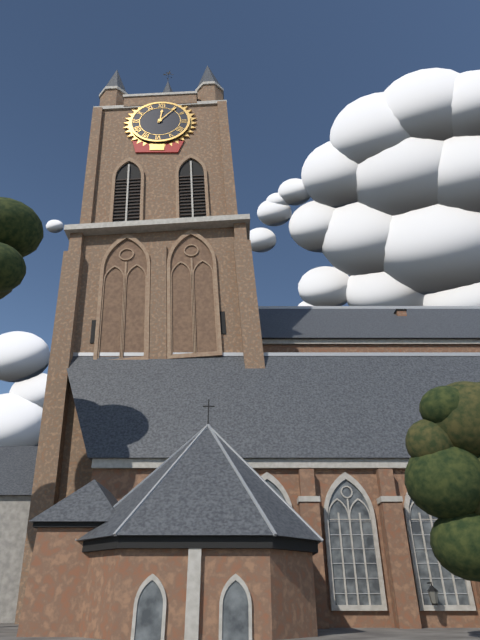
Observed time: 12h06
